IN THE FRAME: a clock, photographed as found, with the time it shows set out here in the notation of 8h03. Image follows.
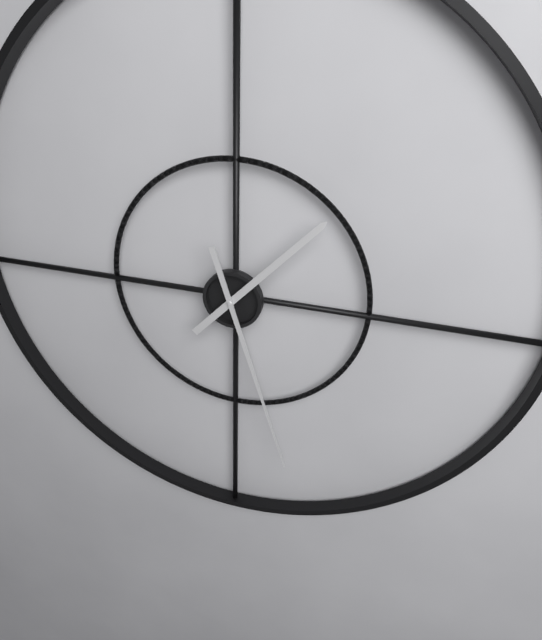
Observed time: 1h27
